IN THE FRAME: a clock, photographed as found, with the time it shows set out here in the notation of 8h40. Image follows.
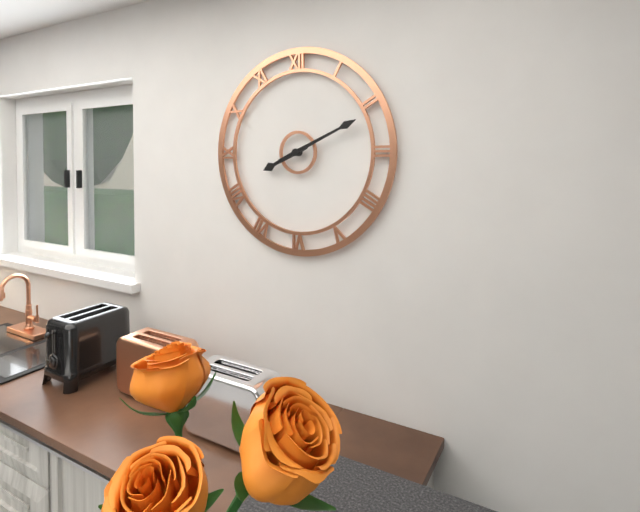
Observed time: 8h11
